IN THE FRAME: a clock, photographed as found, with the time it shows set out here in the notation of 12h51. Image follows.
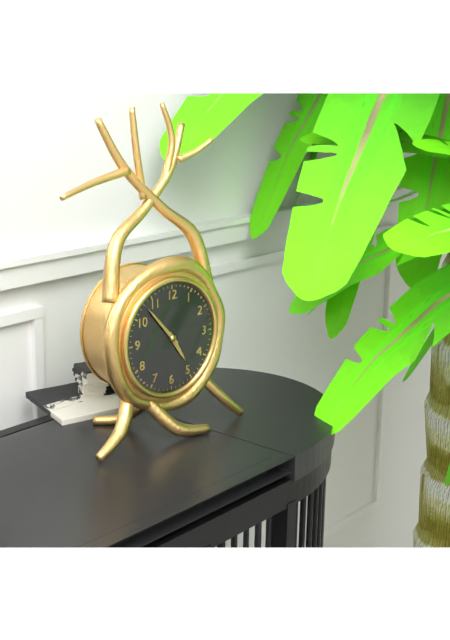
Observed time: 4h53
